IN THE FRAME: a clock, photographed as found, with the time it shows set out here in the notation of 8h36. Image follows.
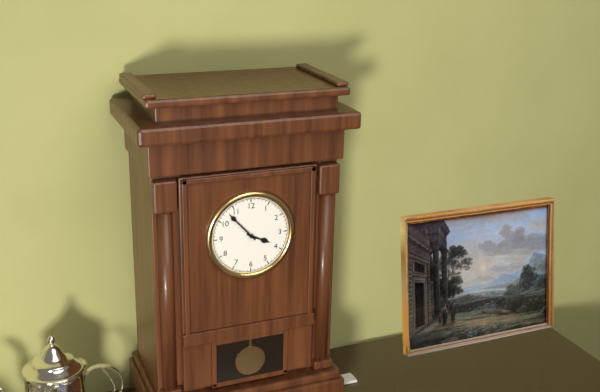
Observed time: 3h53
